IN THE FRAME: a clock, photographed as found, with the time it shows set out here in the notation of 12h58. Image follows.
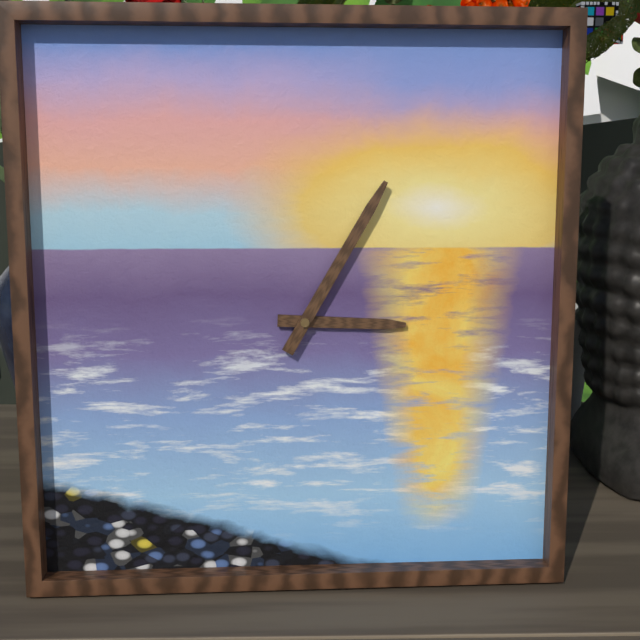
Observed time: 3h05
